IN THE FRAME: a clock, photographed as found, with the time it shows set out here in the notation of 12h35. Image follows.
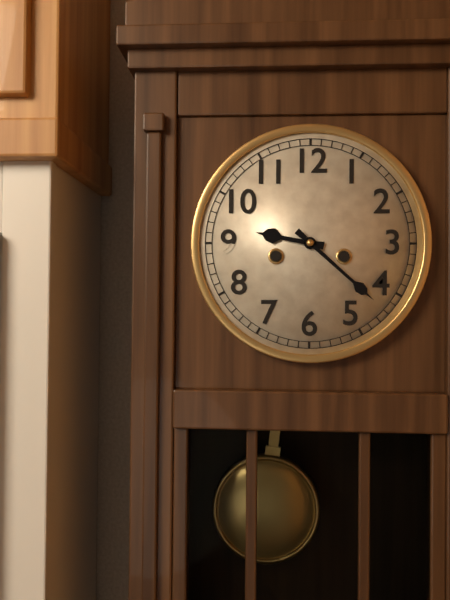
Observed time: 9h22
